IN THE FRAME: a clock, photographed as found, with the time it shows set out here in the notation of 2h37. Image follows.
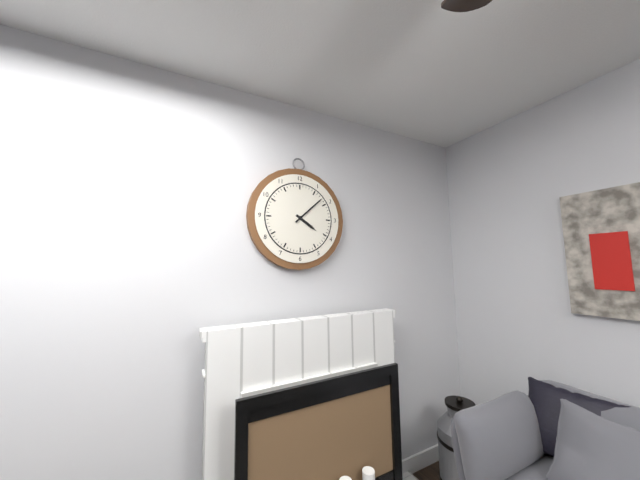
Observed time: 4h08
